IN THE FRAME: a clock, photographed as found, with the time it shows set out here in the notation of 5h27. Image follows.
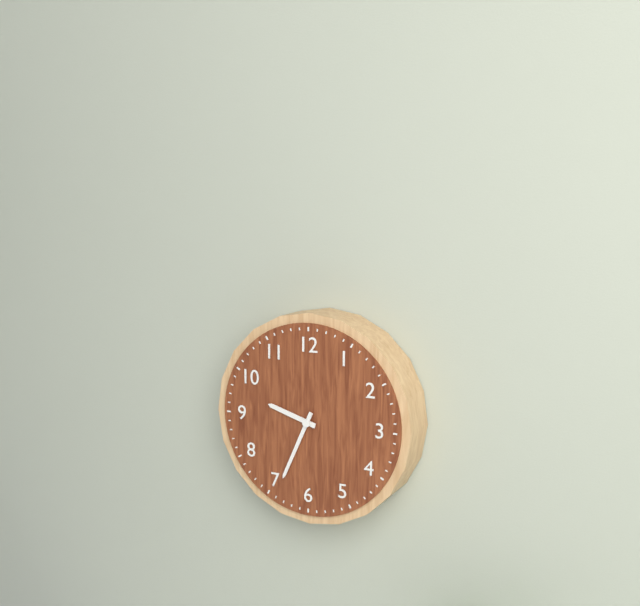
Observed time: 9h34
